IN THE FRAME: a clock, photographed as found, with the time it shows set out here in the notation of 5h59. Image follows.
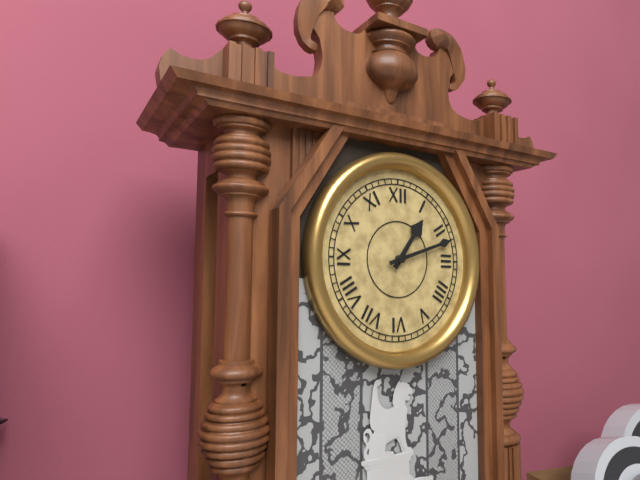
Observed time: 1h12
